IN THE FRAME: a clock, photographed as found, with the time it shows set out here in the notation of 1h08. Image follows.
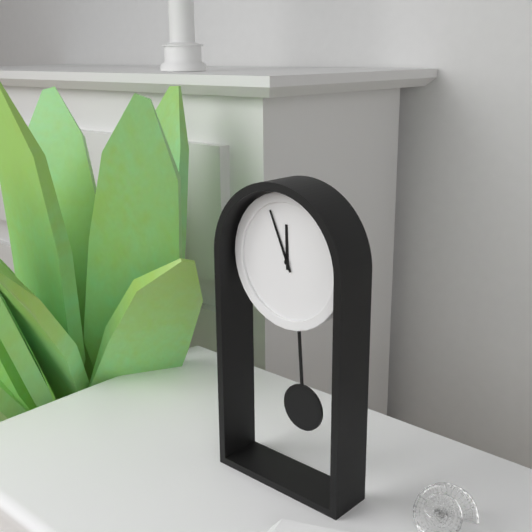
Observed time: 11h56
